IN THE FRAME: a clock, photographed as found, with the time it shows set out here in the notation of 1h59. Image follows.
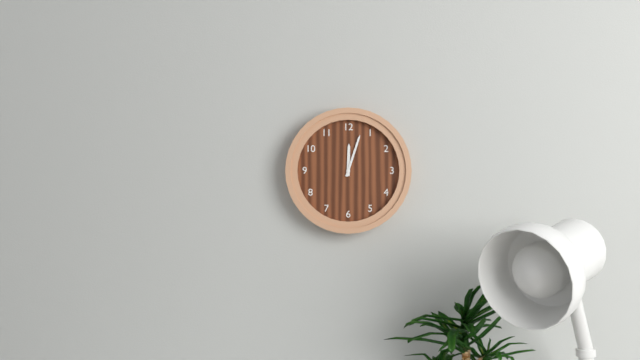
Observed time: 12h03
